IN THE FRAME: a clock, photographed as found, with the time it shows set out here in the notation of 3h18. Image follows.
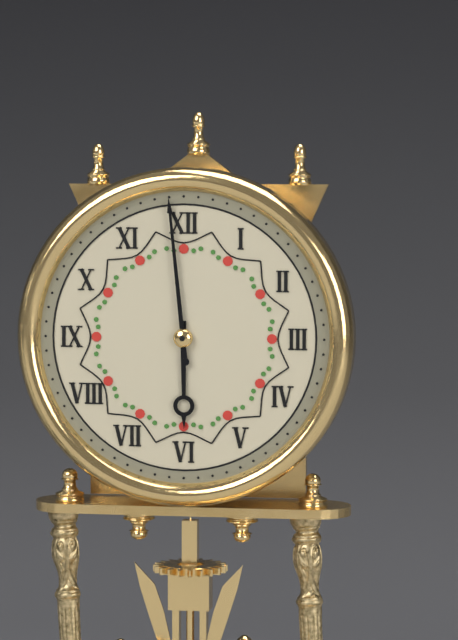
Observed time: 5h59
